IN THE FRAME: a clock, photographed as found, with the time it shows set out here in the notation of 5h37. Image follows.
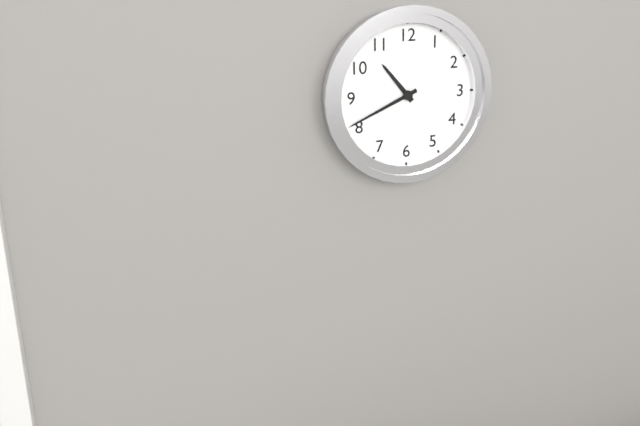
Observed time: 10h41
